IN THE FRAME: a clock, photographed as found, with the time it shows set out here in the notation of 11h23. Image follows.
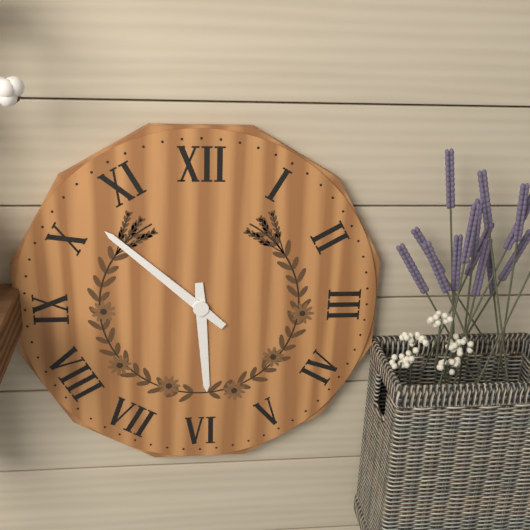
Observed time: 5h52
